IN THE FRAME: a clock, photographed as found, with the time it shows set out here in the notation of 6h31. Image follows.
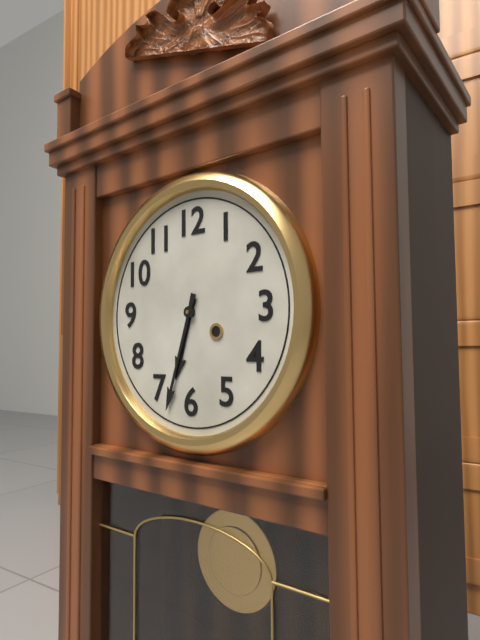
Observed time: 6h33
